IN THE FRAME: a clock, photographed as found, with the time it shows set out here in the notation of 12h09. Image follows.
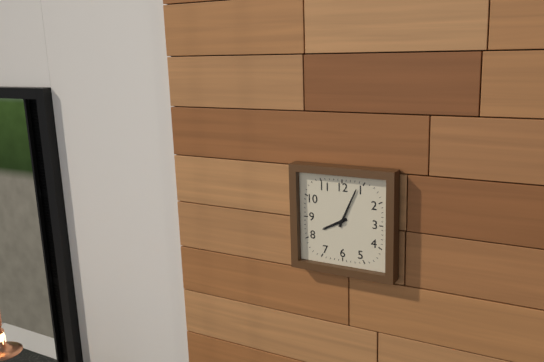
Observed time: 8h04
